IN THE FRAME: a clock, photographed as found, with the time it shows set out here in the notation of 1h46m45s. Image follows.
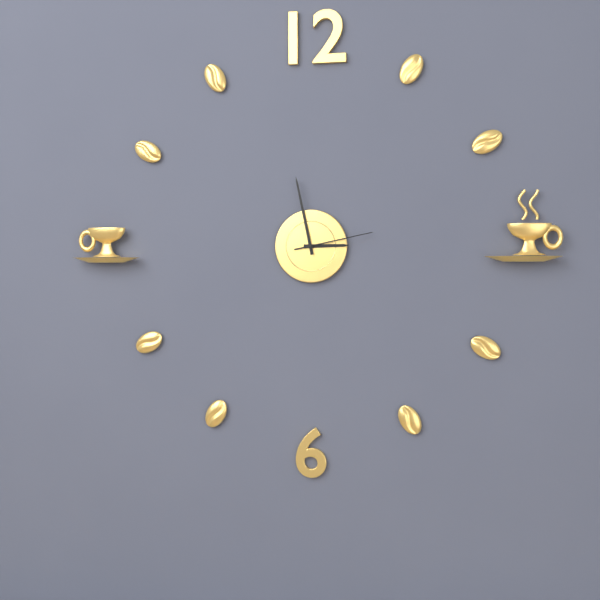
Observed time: 2h58m13s
